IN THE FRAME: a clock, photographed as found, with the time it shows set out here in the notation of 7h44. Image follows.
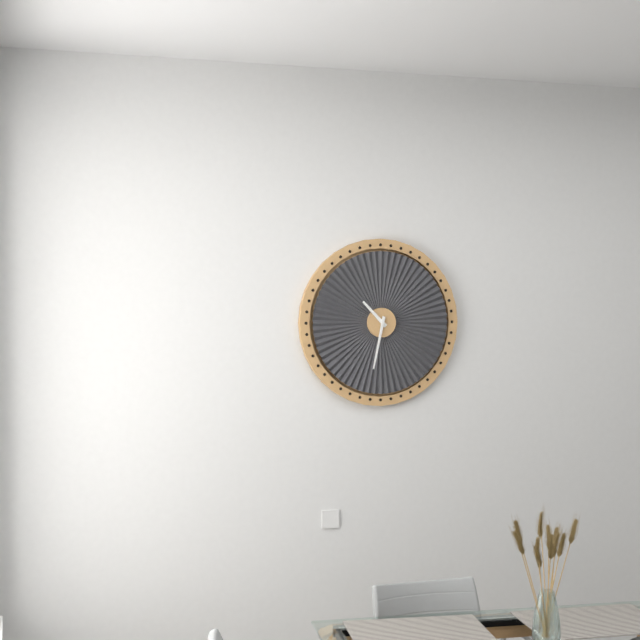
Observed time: 10h32
